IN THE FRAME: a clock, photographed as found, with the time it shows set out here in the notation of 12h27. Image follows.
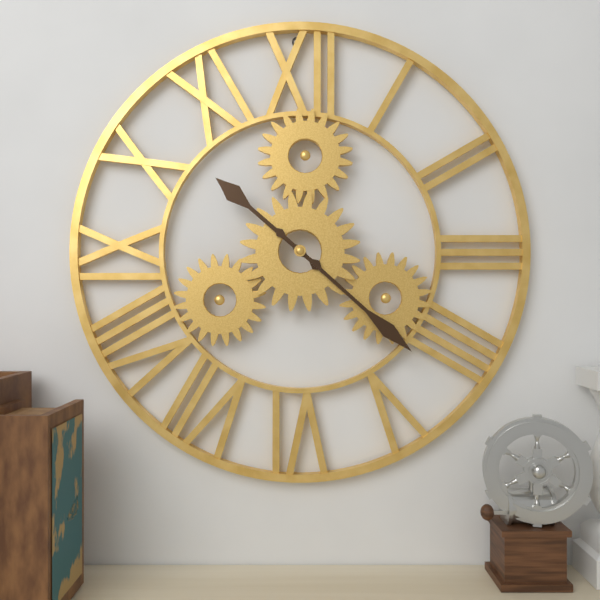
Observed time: 10h22
